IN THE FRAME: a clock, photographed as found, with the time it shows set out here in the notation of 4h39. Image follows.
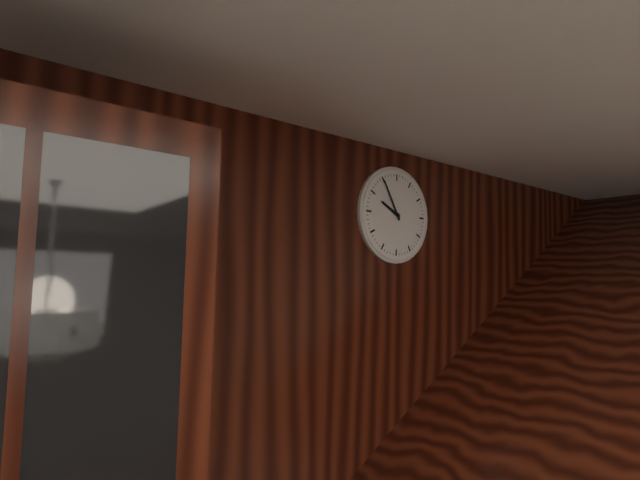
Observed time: 9h55
